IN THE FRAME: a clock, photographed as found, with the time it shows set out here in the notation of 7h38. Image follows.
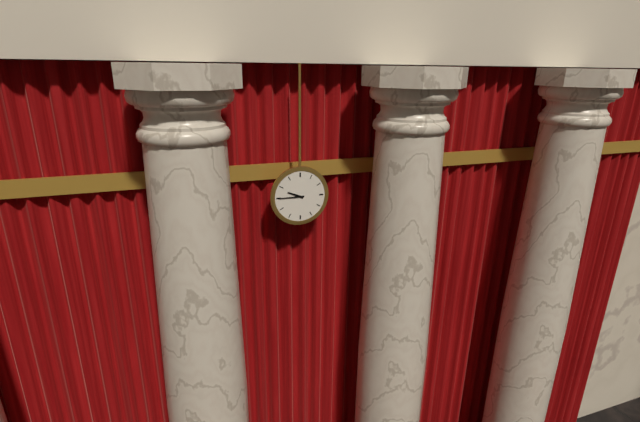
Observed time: 9h45
